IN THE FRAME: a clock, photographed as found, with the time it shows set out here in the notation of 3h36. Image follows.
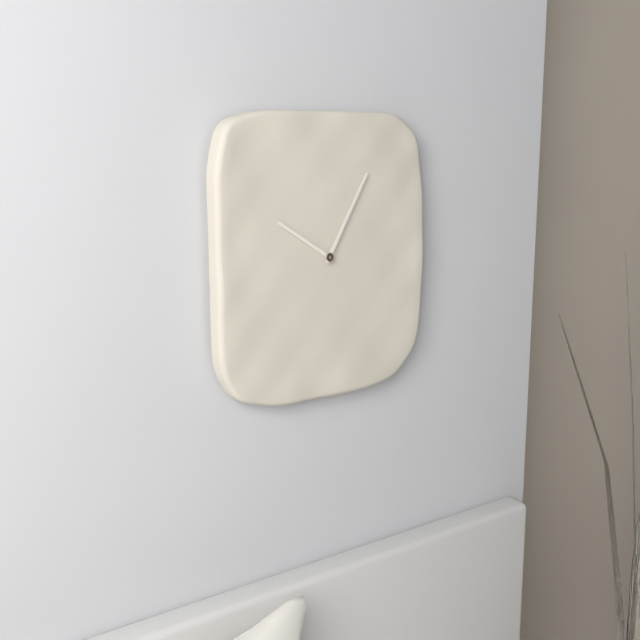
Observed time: 10h05
